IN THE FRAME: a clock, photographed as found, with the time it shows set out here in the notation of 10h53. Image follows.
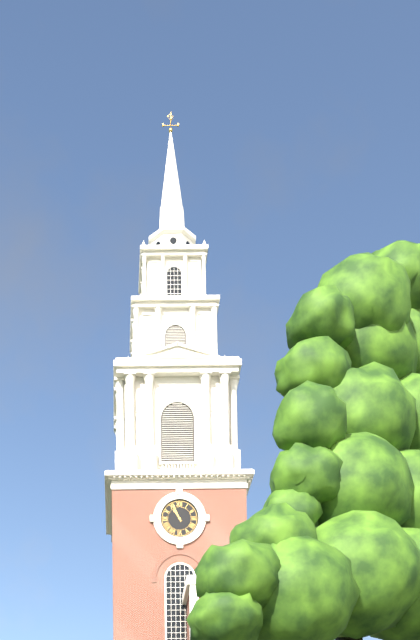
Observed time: 10h56
